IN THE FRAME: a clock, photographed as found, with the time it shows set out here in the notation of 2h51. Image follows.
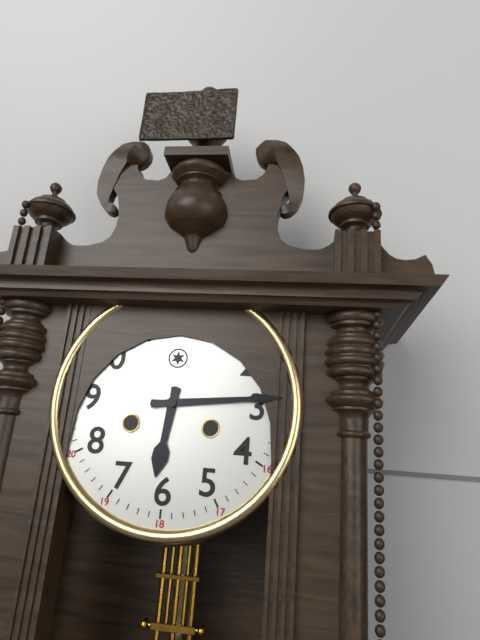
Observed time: 6h14
